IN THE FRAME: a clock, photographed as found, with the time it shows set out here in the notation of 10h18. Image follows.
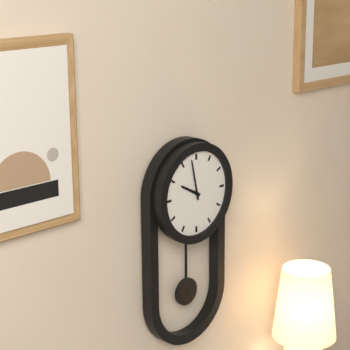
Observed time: 9h58
